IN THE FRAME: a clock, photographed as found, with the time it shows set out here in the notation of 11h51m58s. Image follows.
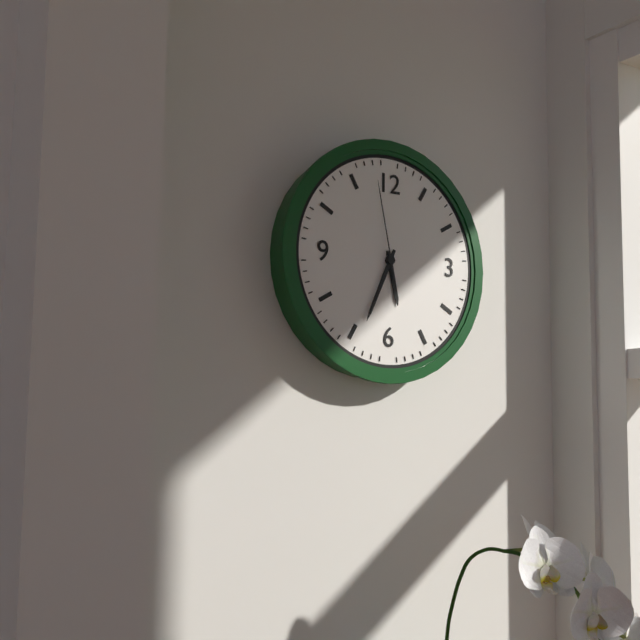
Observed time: 5h34m58s
